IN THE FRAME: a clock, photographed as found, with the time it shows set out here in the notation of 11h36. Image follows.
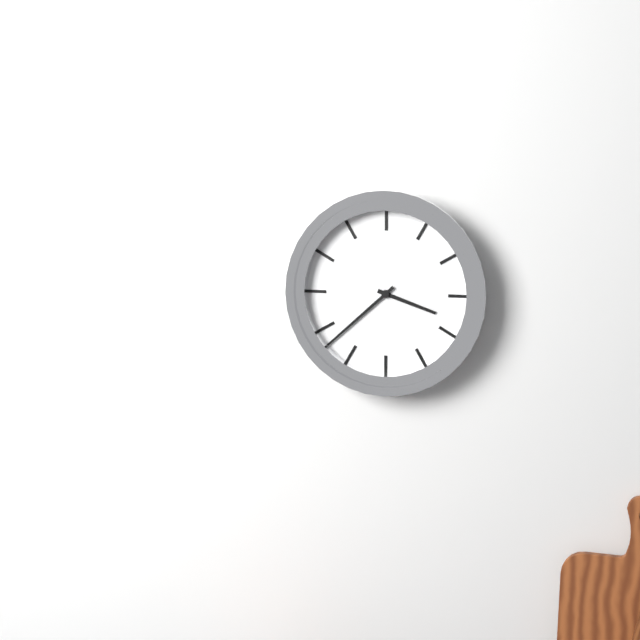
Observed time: 3h38
